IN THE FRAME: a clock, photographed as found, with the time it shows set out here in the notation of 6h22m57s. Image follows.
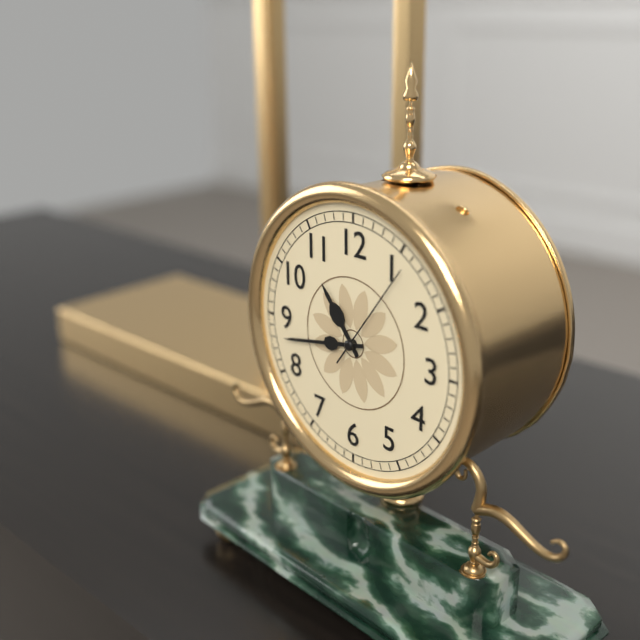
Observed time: 10h43m06s
